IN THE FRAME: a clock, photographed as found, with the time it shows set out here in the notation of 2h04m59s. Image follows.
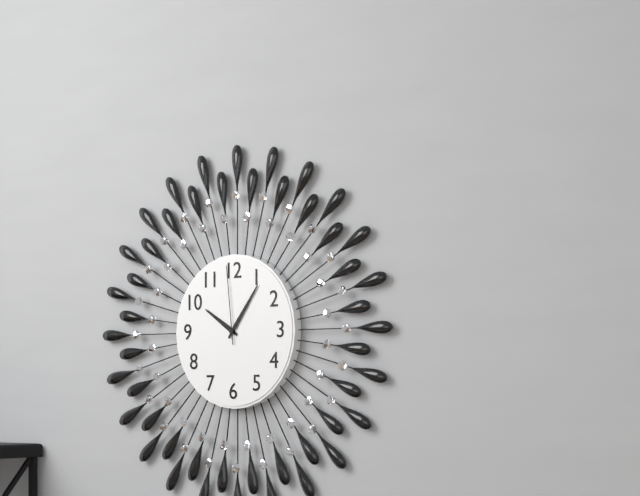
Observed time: 10h06m59s
